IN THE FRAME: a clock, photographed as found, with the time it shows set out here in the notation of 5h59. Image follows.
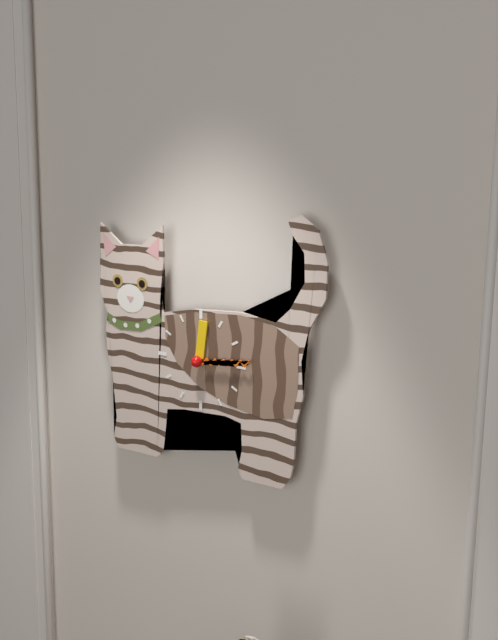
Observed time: 12h14
